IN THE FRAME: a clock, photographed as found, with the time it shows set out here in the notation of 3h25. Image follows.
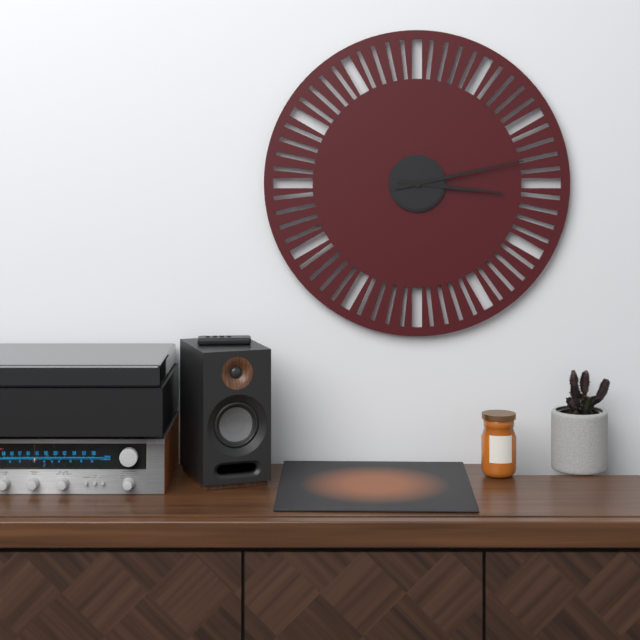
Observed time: 3h13
